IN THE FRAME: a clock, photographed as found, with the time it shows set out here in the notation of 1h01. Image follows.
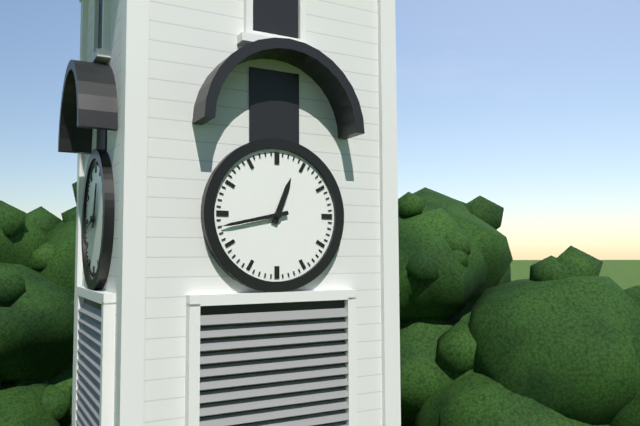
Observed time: 12h43
